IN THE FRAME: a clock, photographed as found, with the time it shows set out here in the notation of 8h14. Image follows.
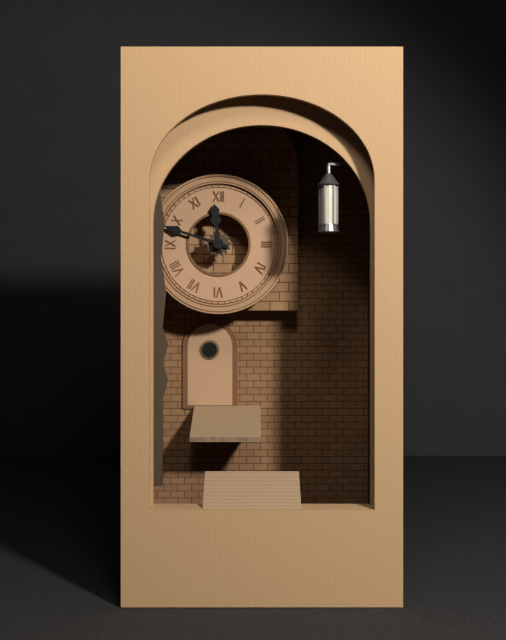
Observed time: 11h48
